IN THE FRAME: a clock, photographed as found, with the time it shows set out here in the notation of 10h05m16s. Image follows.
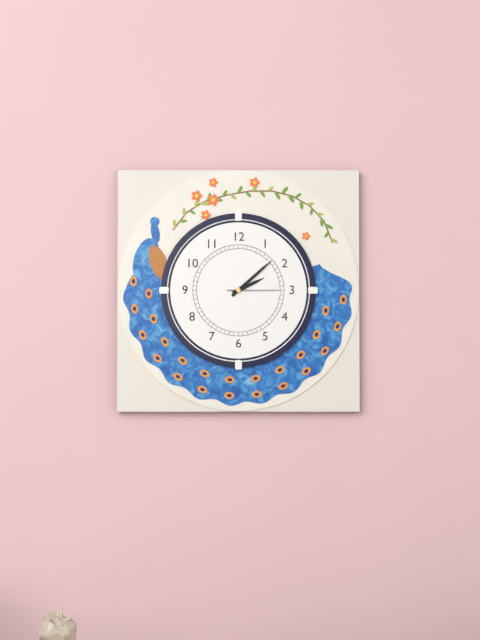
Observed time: 2h08m15s
